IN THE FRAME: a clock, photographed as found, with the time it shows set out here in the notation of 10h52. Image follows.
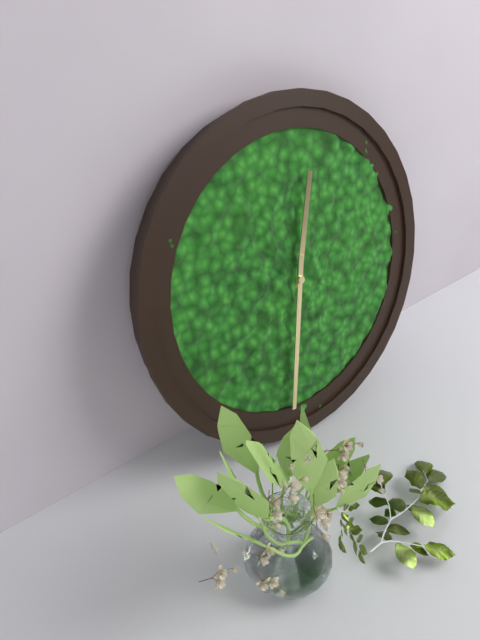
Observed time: 12h32
